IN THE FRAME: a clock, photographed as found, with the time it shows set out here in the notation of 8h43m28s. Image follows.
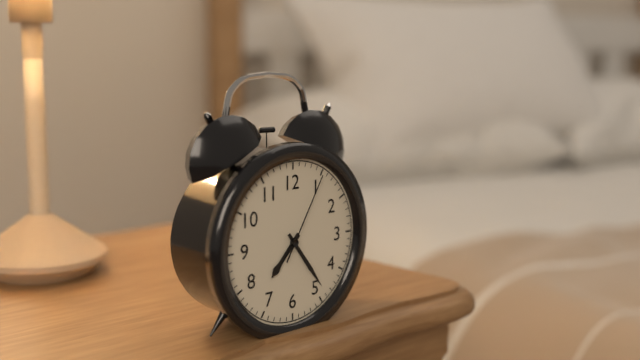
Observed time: 7h24m05s
